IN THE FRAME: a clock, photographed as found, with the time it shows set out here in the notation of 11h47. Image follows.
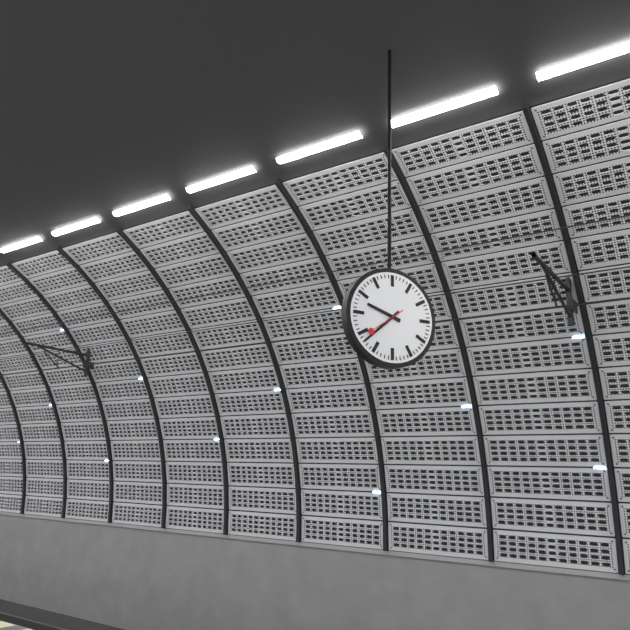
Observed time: 9h38
